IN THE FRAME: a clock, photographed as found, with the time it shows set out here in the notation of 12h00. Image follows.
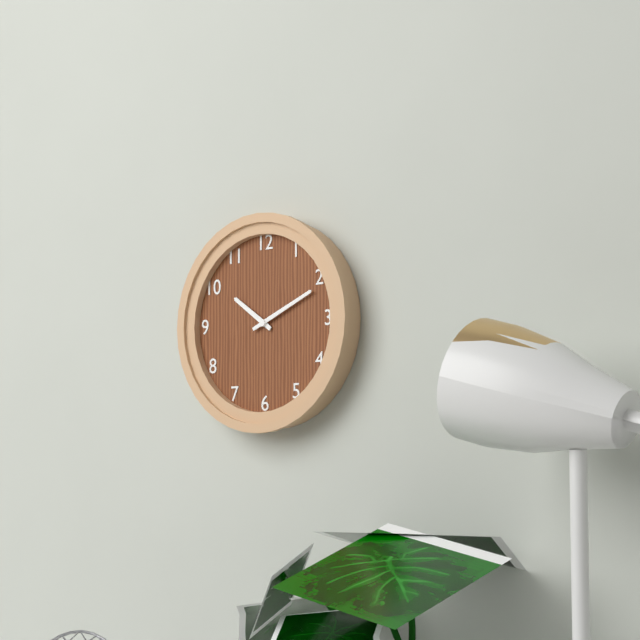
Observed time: 10h11
